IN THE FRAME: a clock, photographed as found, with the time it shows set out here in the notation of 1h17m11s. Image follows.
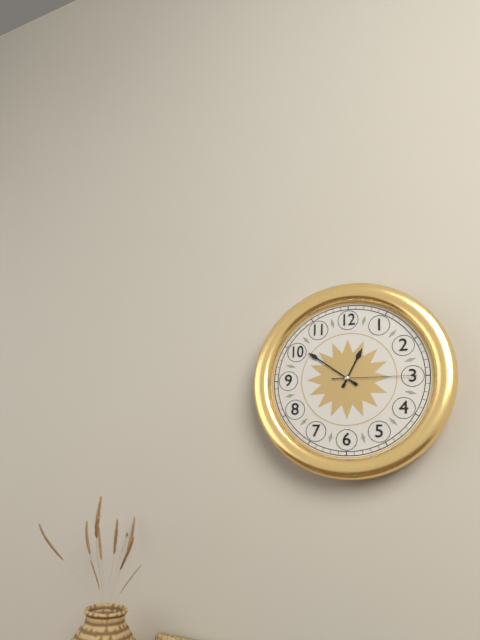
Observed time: 12h51m15s
